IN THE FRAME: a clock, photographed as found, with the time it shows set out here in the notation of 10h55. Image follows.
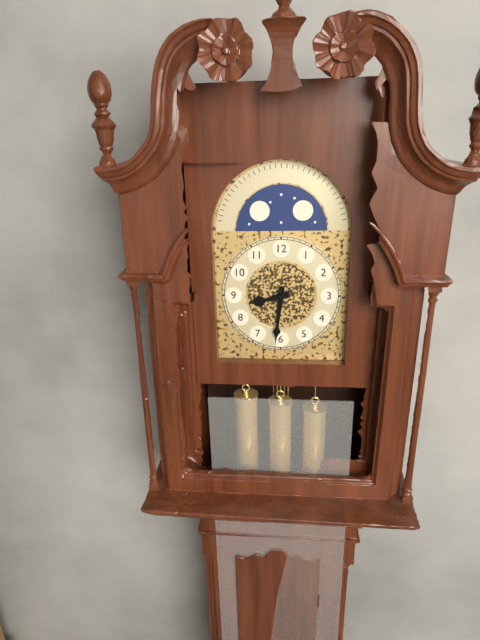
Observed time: 8h31
